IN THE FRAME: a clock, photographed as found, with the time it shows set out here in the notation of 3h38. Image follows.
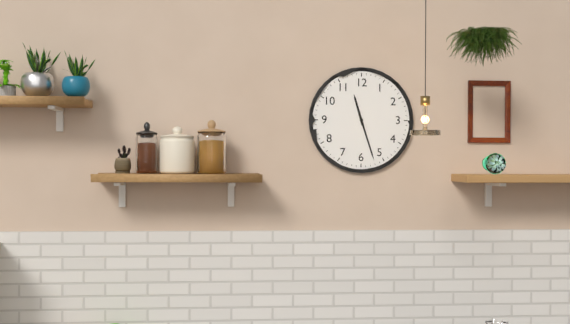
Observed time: 11h27
